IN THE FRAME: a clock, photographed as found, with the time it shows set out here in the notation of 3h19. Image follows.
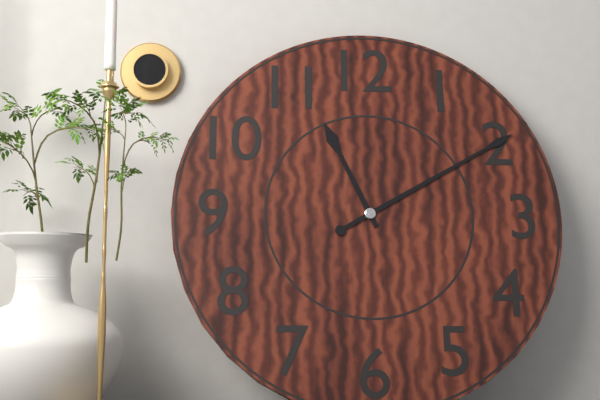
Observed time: 11h10
